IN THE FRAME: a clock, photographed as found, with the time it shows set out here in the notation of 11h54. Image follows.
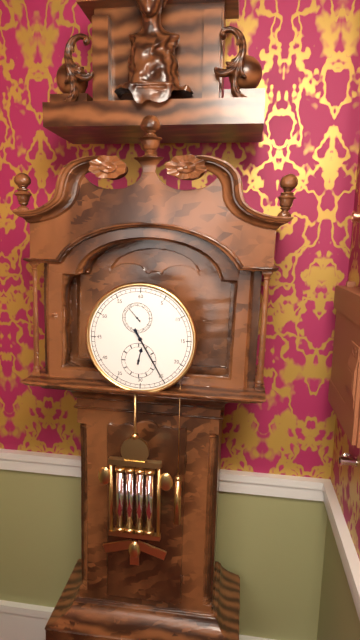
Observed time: 12h25
